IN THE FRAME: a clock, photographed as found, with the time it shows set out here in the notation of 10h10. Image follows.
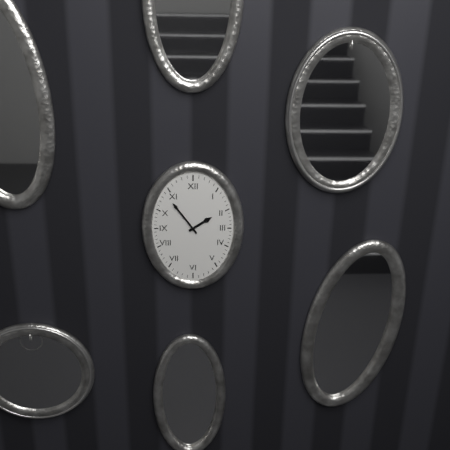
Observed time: 1h54
